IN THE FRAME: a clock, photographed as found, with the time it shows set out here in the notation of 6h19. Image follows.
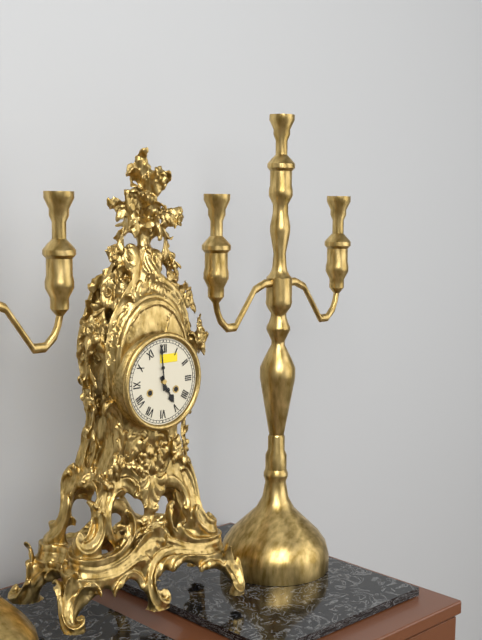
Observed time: 4h59
